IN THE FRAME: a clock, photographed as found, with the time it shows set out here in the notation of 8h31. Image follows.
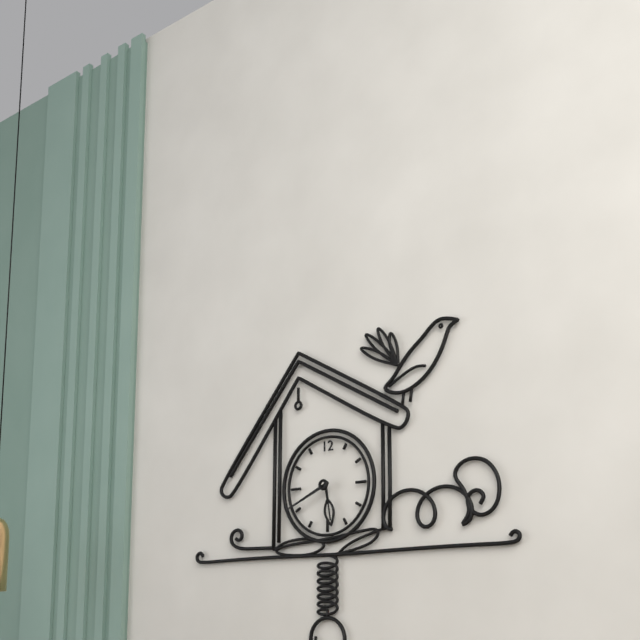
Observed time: 5h41
